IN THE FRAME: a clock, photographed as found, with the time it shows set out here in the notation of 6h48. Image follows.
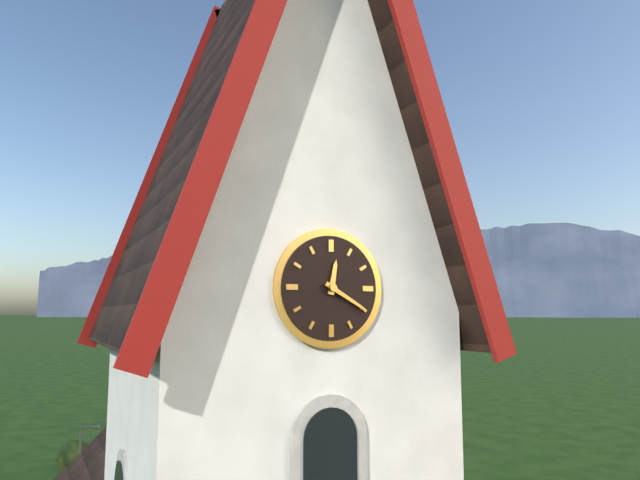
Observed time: 12h20
